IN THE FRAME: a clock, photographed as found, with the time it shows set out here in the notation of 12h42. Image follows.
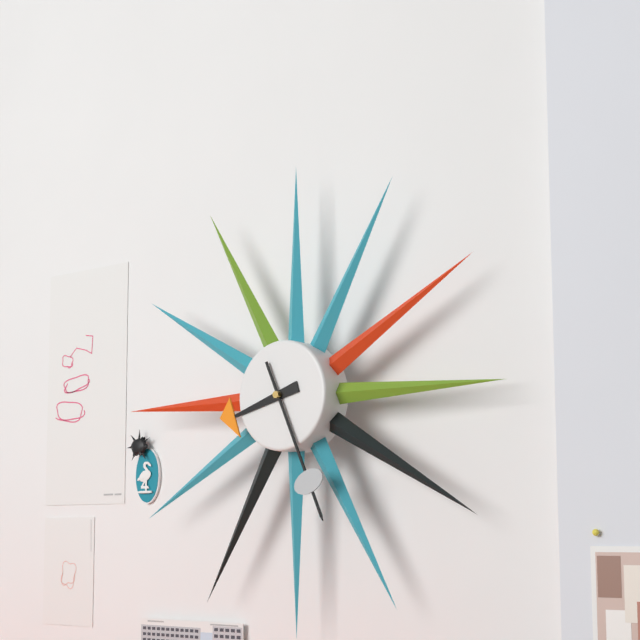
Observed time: 8h26
